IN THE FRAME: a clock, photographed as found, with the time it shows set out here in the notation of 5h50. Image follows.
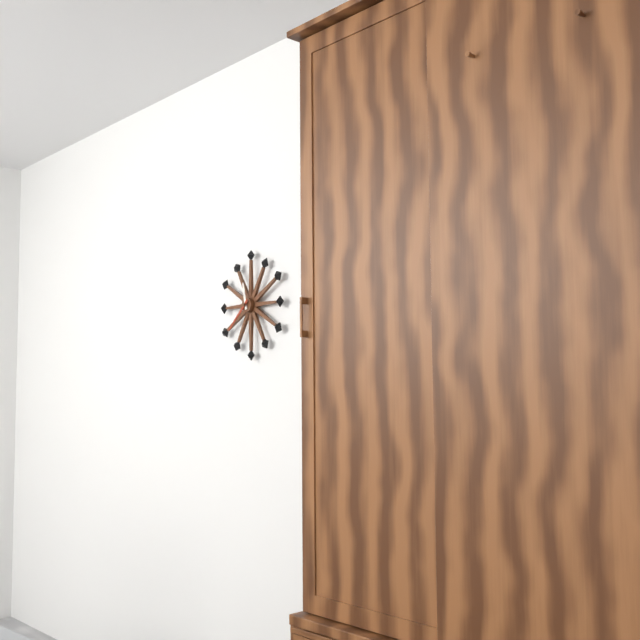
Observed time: 11h38
